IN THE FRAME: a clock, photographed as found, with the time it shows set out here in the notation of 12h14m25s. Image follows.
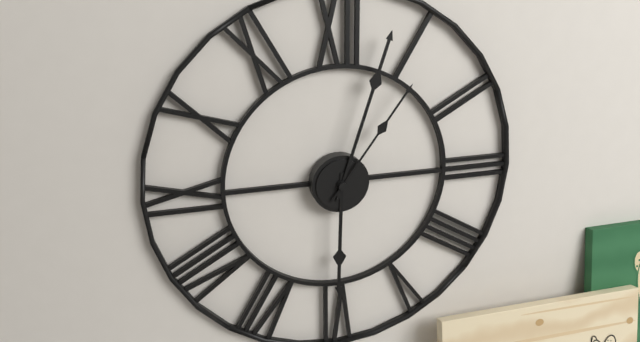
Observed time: 6h03m06s
